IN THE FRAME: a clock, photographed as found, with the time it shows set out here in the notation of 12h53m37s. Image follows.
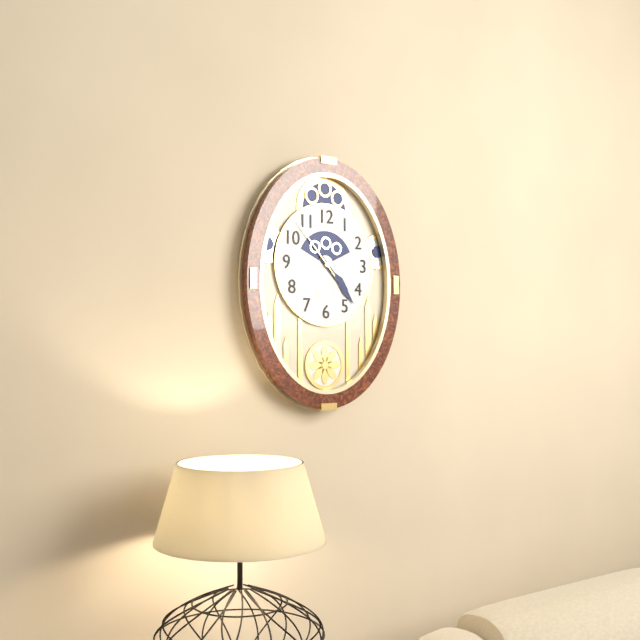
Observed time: 4h23m53s
